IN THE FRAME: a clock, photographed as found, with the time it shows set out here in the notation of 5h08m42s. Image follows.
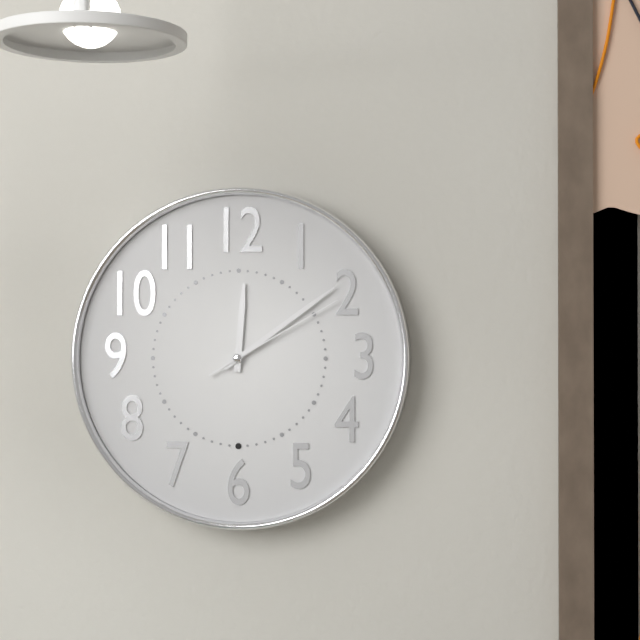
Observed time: 12h09m10s
